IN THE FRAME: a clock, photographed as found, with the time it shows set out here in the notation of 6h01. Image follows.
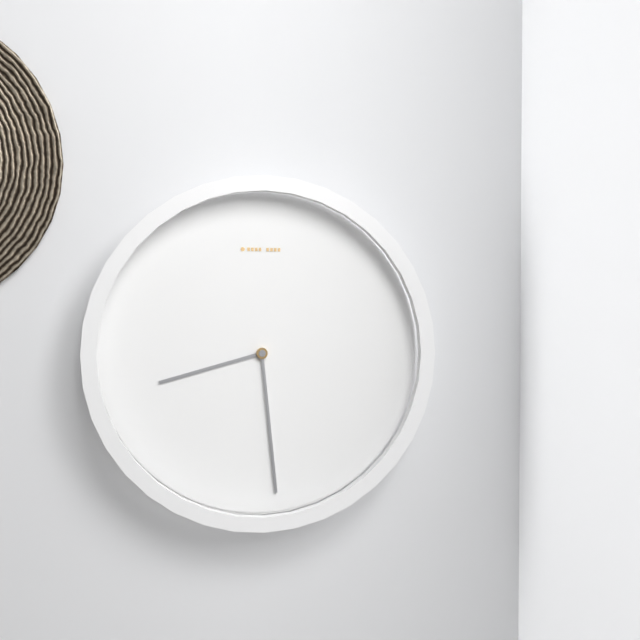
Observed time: 8h29
